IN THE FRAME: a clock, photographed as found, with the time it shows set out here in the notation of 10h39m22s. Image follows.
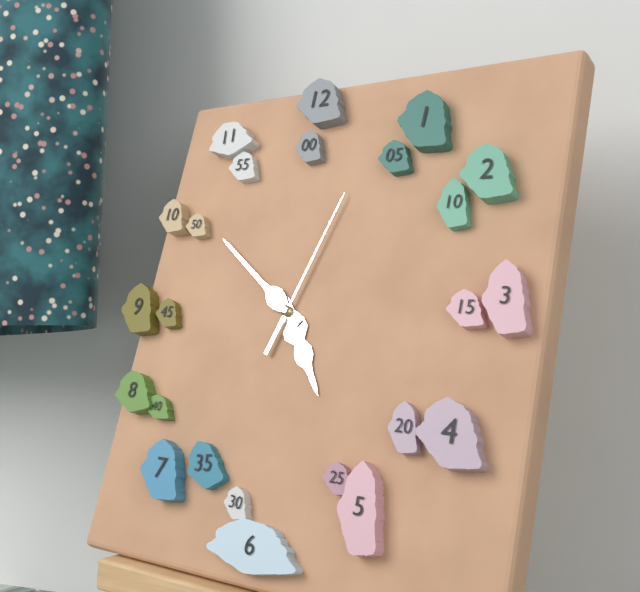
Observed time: 4h51m03s
